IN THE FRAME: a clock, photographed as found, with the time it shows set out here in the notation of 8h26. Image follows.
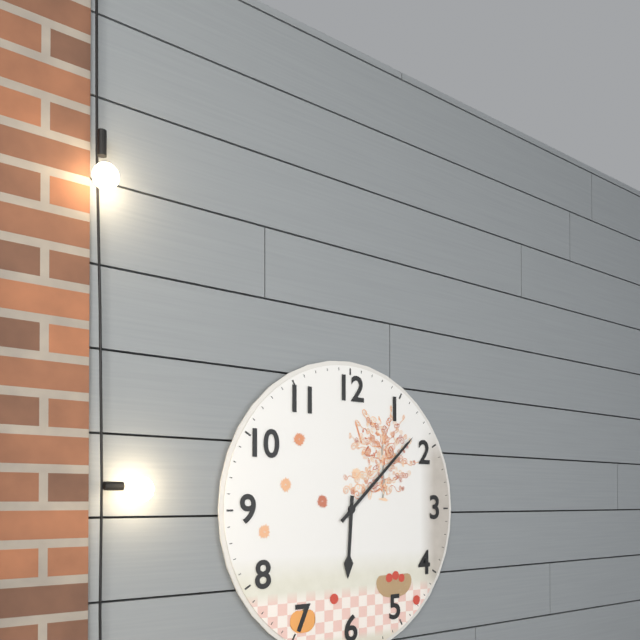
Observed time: 6h08
